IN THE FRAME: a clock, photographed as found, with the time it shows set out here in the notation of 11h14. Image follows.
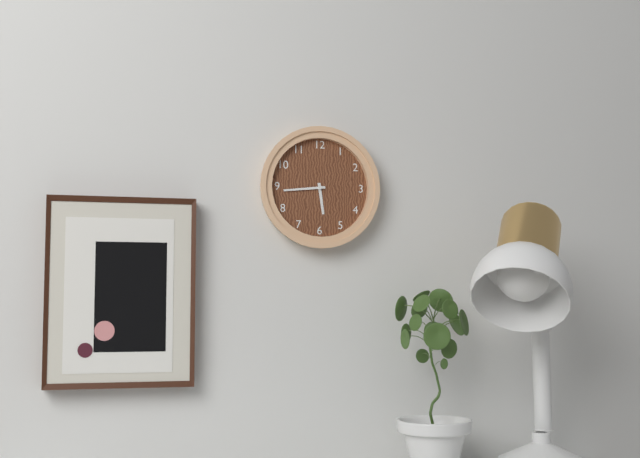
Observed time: 5h44
